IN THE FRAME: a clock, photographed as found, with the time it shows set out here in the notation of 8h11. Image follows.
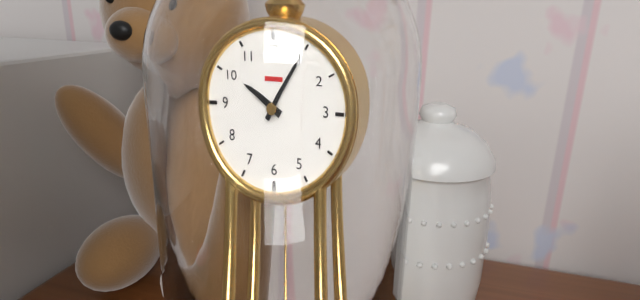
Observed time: 10h05
